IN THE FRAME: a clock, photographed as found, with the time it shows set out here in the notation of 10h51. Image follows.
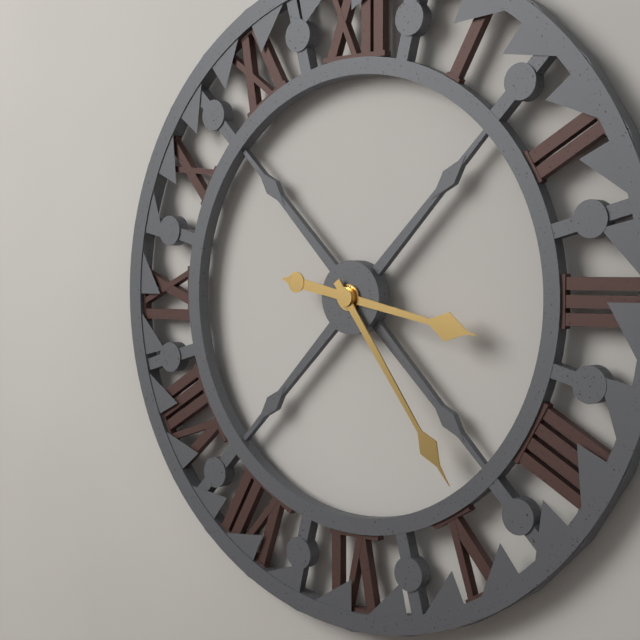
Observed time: 3h24
